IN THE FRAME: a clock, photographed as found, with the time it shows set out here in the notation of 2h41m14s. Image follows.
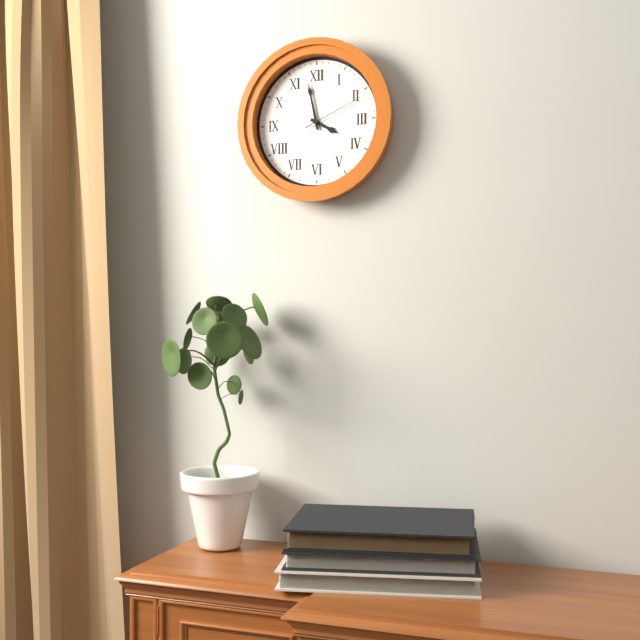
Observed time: 3h58m11s
